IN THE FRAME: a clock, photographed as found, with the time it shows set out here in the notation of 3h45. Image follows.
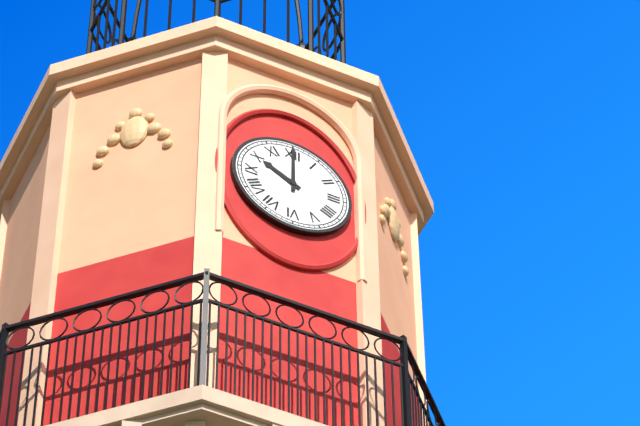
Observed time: 10h00
